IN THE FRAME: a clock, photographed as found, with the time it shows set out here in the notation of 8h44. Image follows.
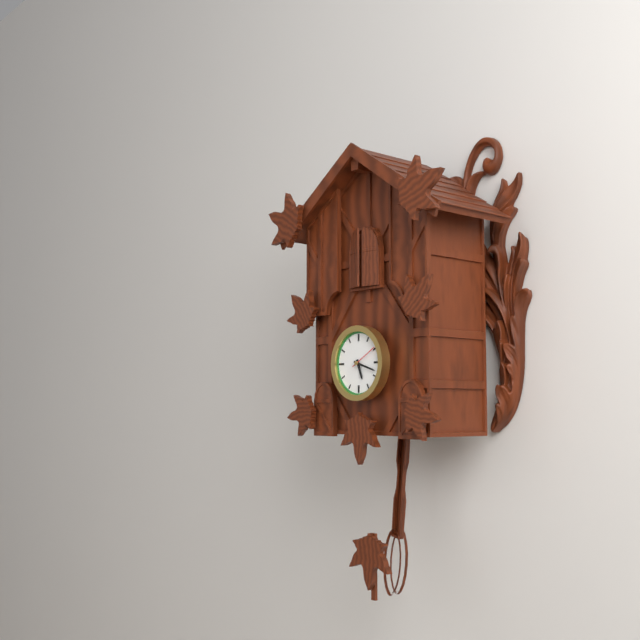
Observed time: 5h18
